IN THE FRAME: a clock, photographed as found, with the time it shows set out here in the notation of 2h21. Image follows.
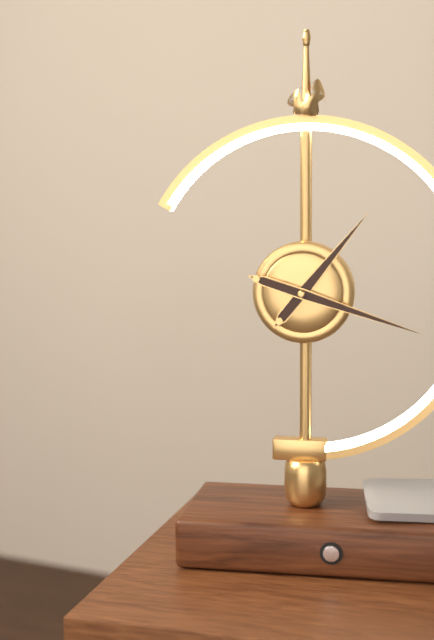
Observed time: 1h18
